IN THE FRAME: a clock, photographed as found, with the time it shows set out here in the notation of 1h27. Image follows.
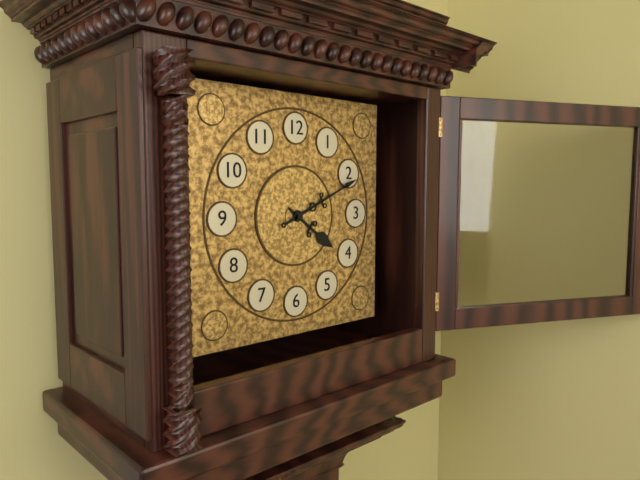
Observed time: 4h11
